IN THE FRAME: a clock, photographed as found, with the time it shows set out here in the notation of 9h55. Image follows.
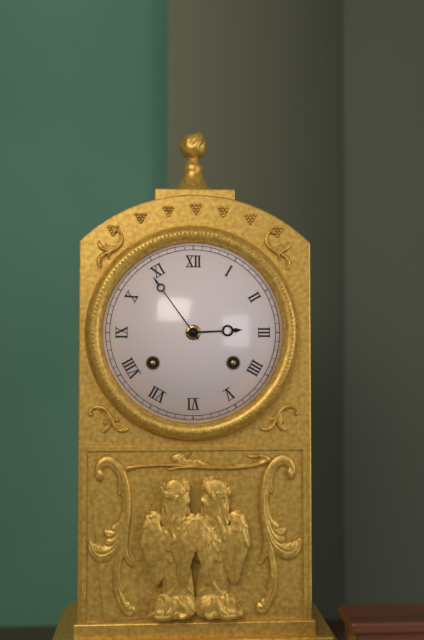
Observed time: 2h54
